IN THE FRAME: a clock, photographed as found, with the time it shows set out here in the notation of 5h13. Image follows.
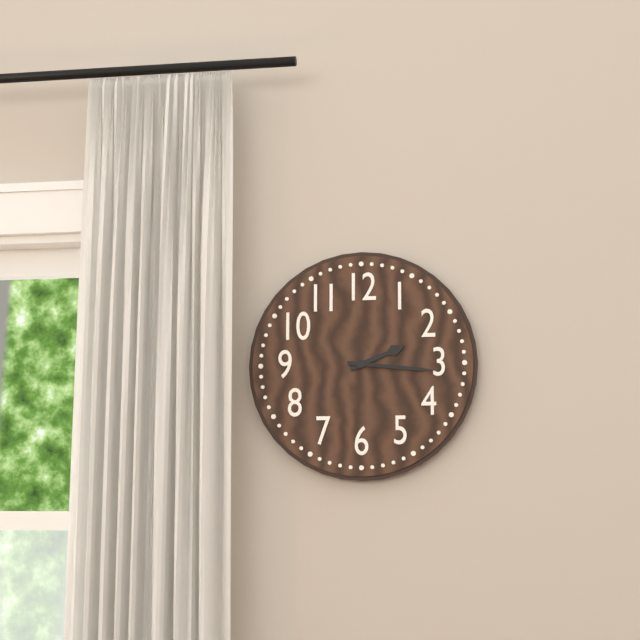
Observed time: 2h16
